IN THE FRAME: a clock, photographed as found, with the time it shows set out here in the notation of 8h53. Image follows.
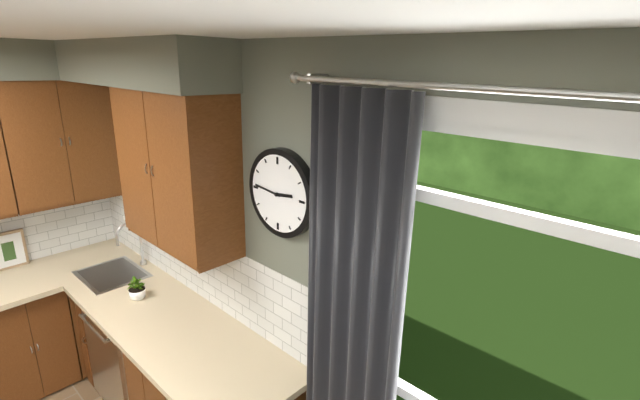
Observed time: 2h46
